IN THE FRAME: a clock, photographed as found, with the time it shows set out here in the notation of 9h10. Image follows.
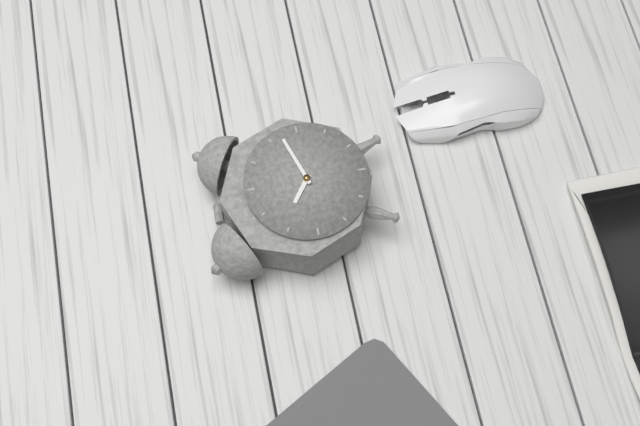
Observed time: 10h12
